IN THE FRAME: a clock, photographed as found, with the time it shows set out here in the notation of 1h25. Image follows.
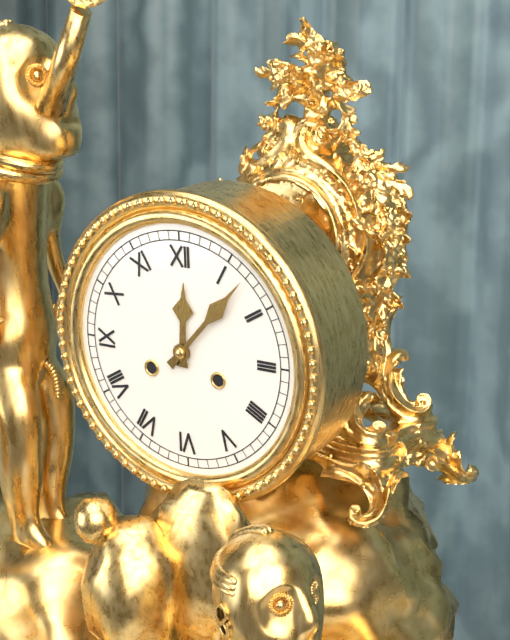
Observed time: 12h07
